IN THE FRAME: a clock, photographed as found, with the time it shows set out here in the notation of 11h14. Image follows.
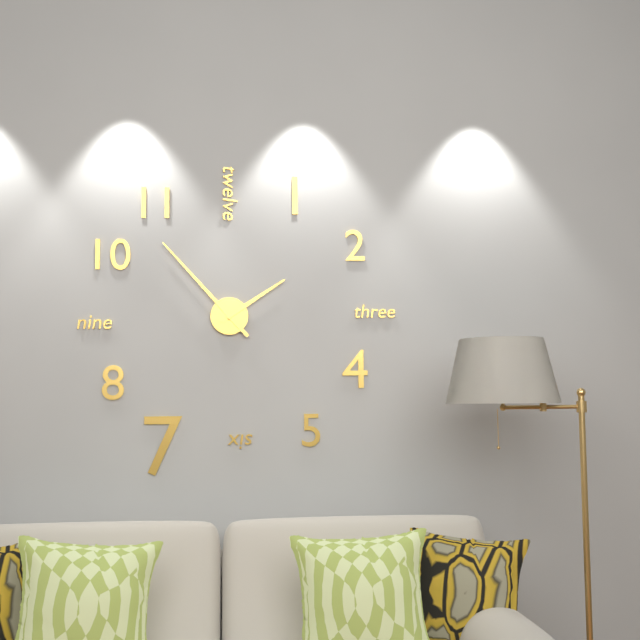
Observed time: 1h53
